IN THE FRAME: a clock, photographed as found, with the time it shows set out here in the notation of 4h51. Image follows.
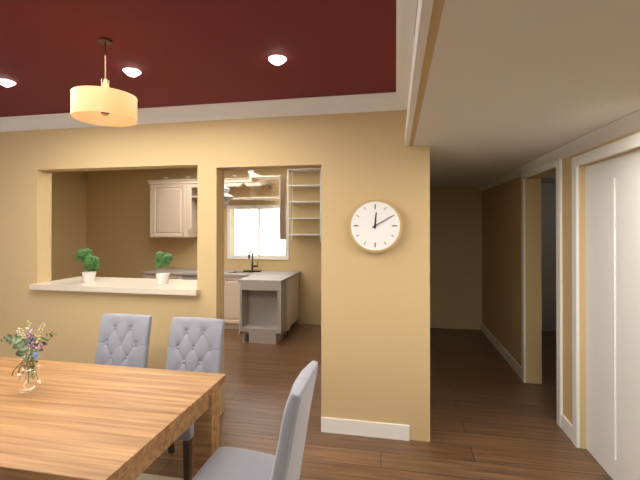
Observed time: 12h10
